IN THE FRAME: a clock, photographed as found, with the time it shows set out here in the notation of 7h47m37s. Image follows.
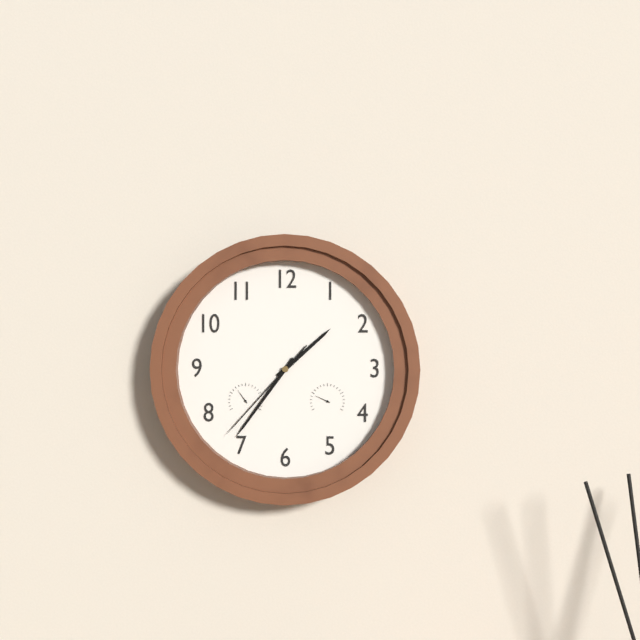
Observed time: 1h36m37s
